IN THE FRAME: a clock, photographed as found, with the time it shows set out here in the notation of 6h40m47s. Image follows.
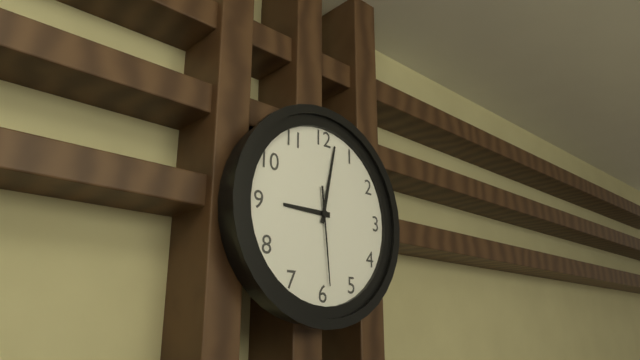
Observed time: 9h02m29s
